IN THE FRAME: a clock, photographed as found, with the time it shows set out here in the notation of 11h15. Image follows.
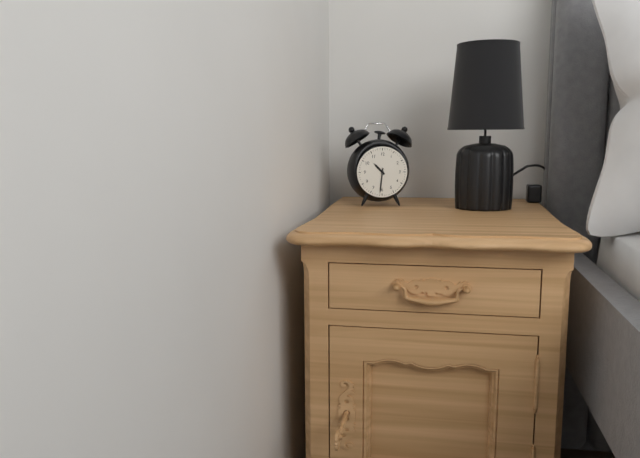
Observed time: 10h31
